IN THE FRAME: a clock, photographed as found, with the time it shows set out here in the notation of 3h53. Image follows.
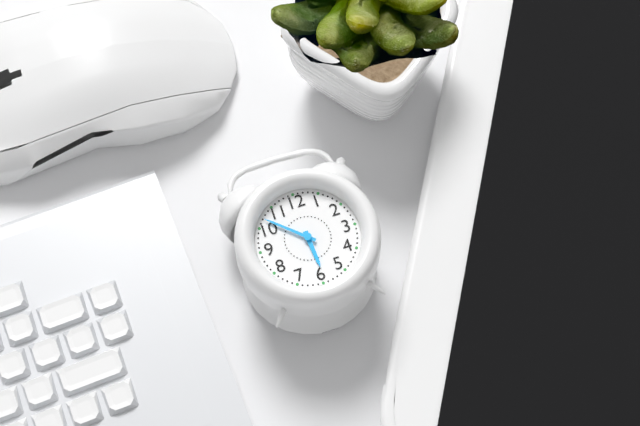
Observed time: 5h52
